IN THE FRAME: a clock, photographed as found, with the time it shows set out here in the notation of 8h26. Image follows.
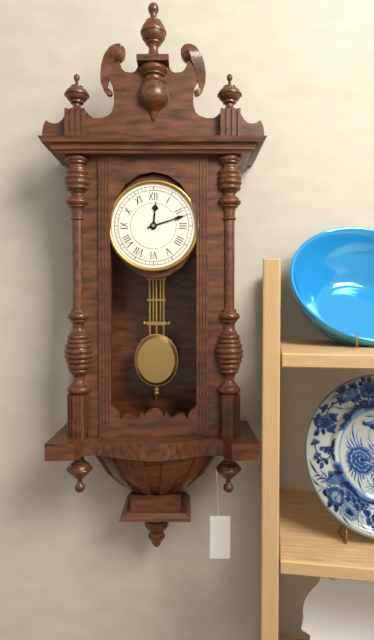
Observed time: 12h12
